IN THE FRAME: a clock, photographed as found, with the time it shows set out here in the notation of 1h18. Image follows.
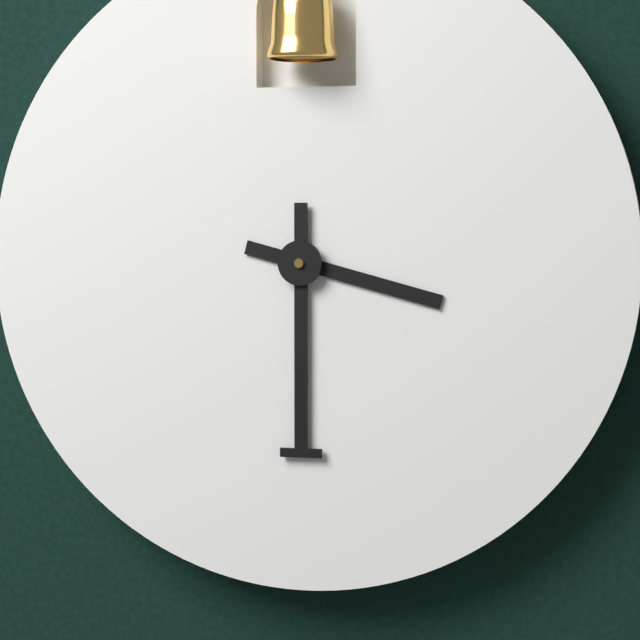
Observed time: 3h30
